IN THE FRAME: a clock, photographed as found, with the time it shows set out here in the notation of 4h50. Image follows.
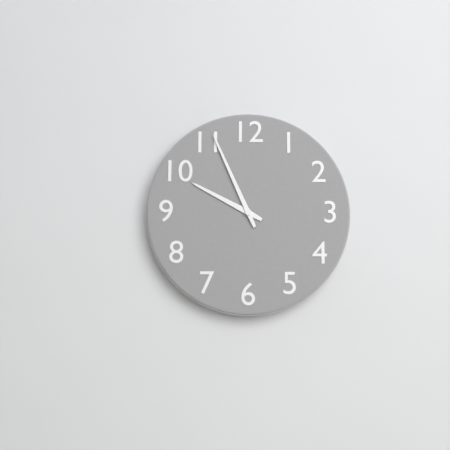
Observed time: 9h56
